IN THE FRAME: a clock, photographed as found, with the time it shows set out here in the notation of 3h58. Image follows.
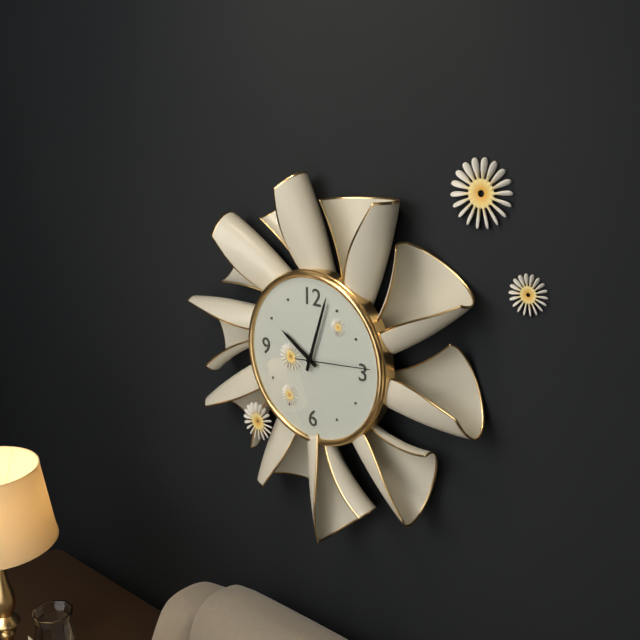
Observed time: 10h03
